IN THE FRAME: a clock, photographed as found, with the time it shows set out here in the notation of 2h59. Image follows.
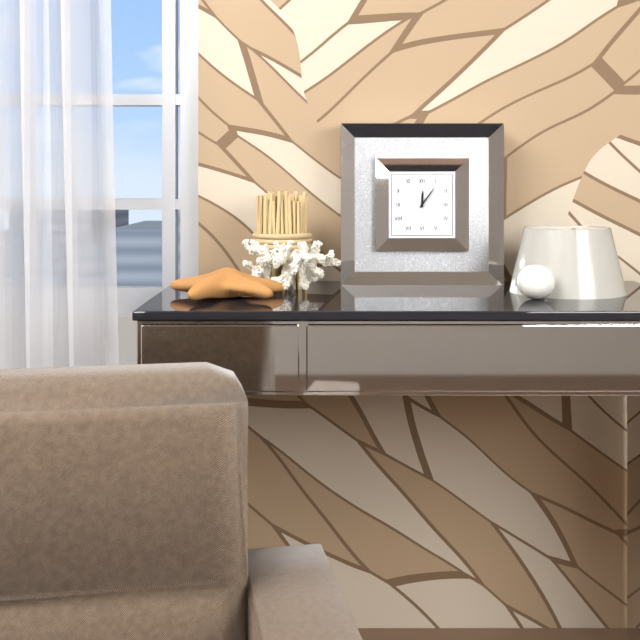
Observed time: 12h06
